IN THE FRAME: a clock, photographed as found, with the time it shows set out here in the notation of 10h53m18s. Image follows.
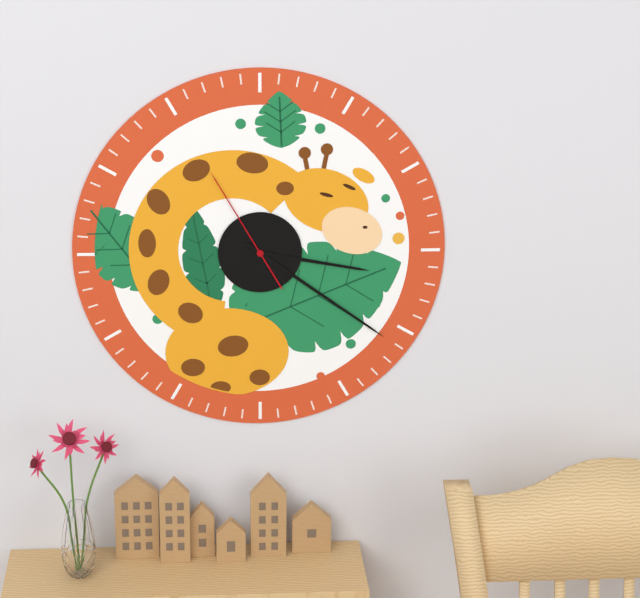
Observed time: 3h21m55s
